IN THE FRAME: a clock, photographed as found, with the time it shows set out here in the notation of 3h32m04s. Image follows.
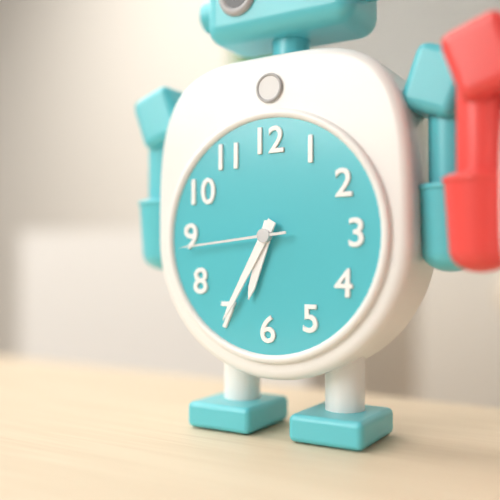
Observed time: 6h35m44s
